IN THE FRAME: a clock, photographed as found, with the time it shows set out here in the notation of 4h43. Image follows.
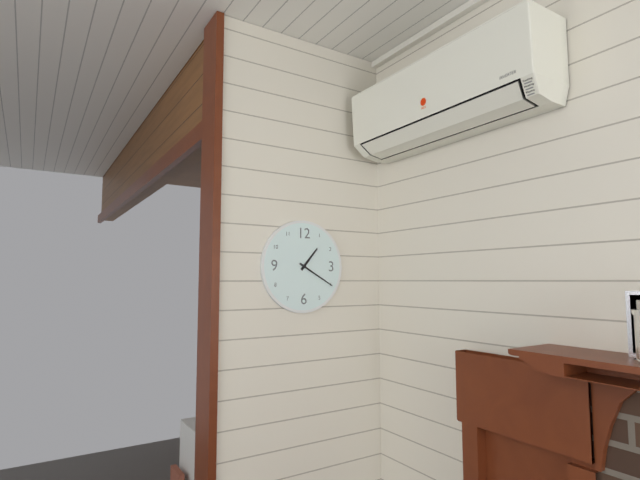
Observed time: 1h20
